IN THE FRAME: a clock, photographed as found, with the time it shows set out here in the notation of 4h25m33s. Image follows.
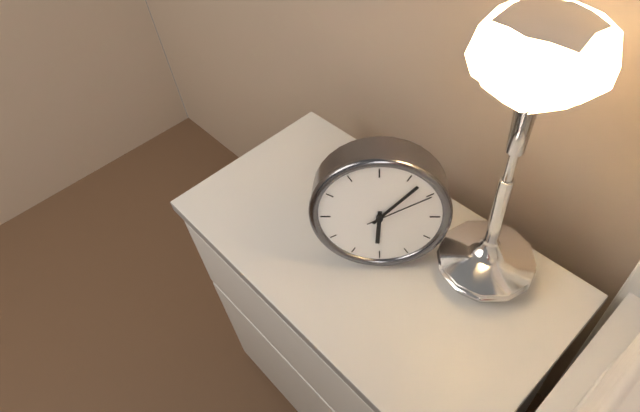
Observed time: 6h07m10s
